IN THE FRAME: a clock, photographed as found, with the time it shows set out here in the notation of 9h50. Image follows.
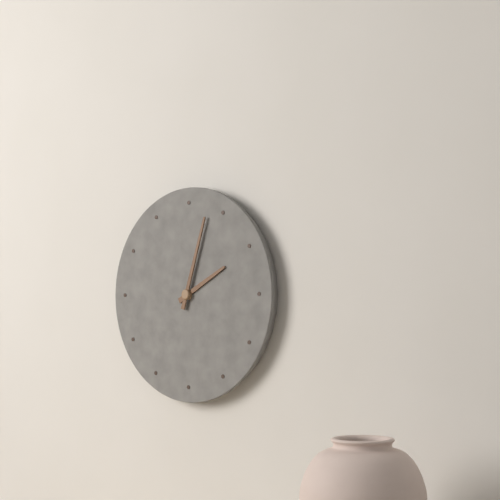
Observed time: 2h03
